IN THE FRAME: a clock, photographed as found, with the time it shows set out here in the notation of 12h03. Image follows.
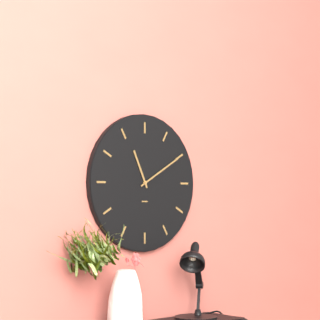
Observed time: 11h10
